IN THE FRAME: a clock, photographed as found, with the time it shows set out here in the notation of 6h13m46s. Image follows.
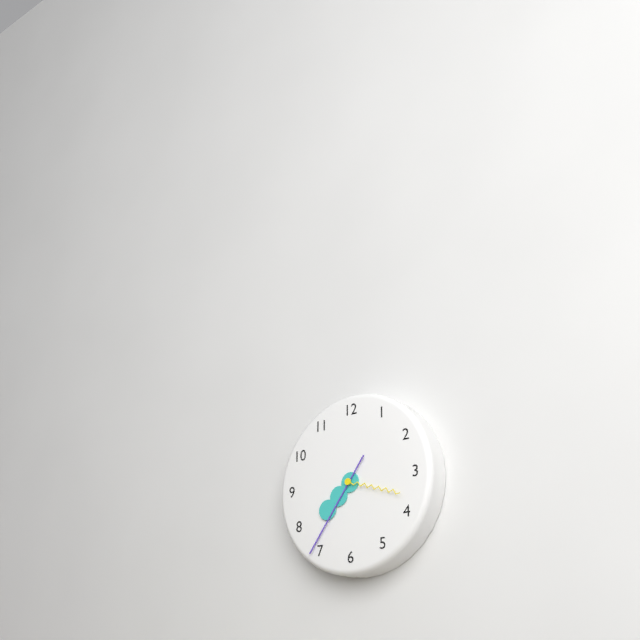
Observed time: 7h36m18s
